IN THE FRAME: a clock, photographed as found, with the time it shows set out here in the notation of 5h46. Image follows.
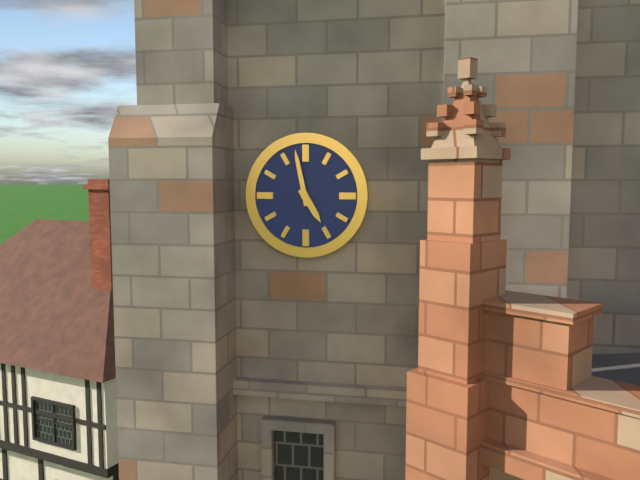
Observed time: 4h58
